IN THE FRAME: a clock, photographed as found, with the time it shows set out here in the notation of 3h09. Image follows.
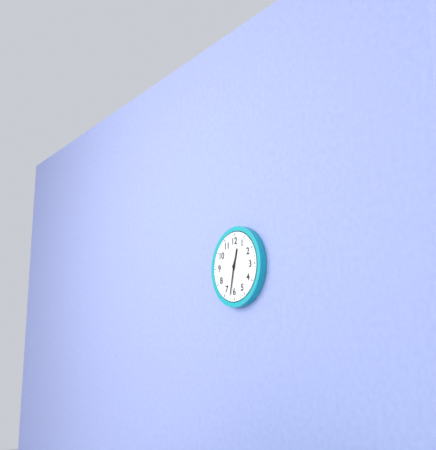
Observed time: 12h32
